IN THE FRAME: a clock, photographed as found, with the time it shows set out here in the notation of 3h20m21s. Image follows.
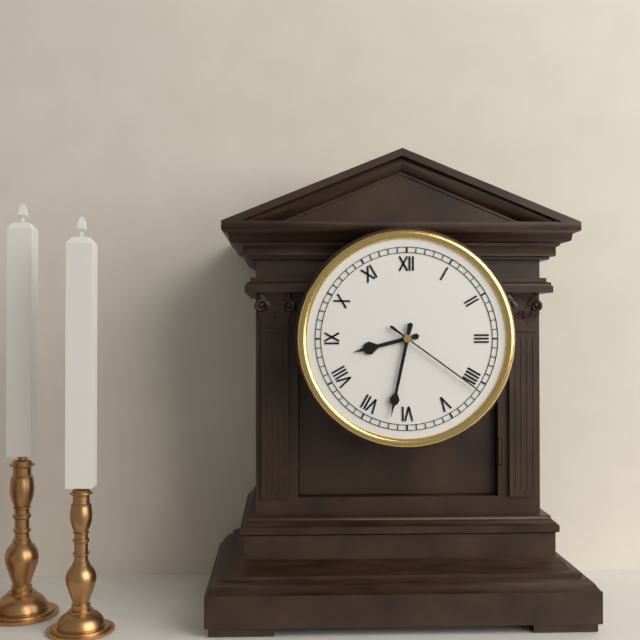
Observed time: 8h32m21s
